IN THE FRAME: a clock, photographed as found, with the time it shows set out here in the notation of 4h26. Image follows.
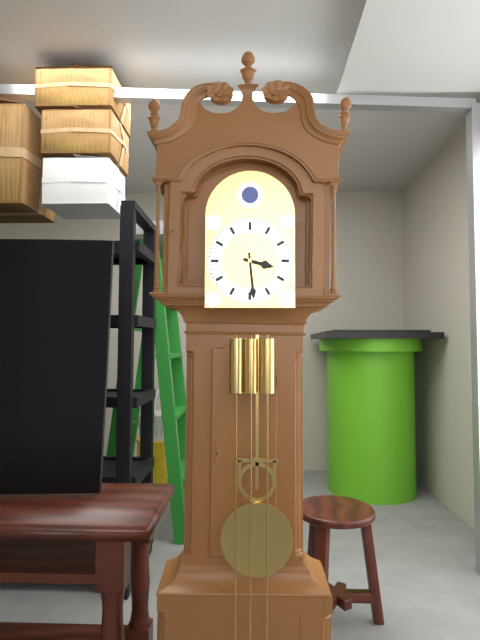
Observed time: 3h29
